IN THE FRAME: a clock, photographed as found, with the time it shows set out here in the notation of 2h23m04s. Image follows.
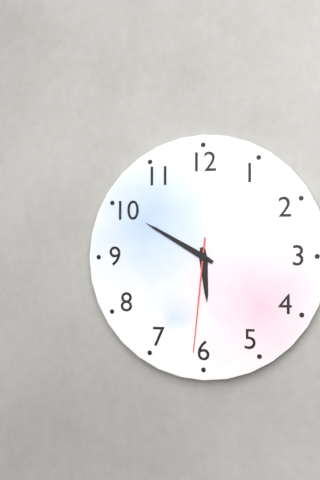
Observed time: 5h50m31s
